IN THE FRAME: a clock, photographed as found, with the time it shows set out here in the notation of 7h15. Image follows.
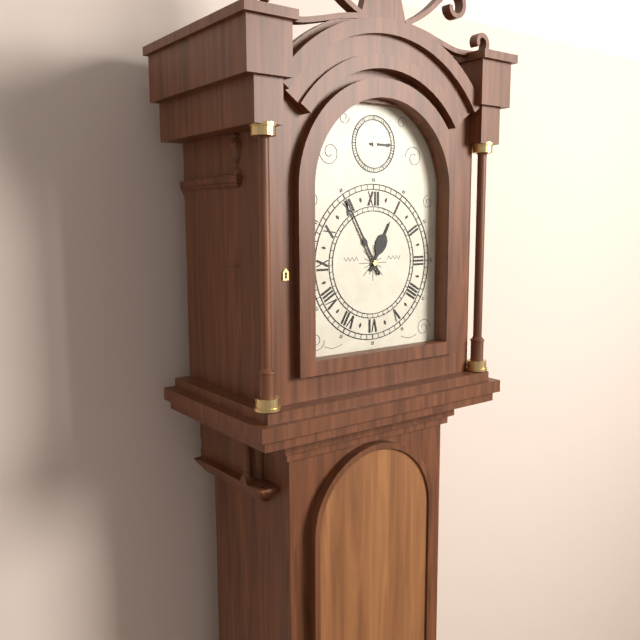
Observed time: 12h55
